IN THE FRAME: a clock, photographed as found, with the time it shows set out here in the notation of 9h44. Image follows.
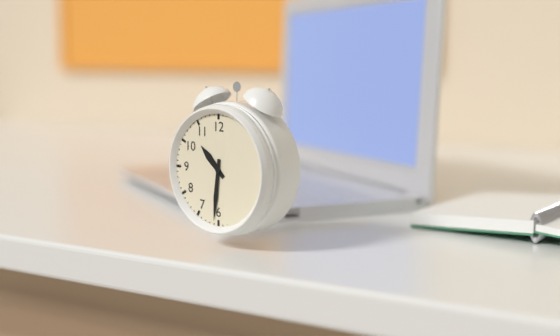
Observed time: 10h31
